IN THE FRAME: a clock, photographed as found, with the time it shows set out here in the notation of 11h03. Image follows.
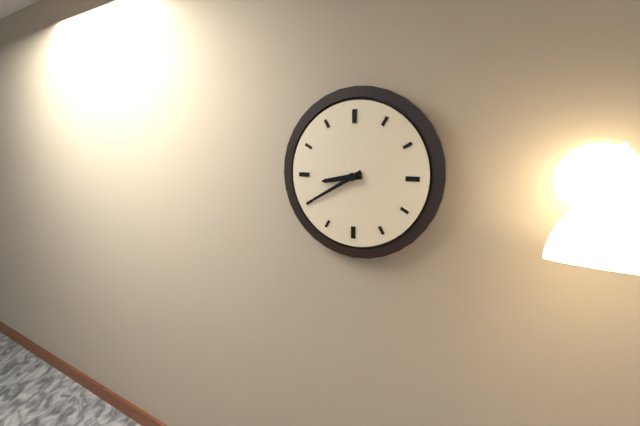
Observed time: 8h40
